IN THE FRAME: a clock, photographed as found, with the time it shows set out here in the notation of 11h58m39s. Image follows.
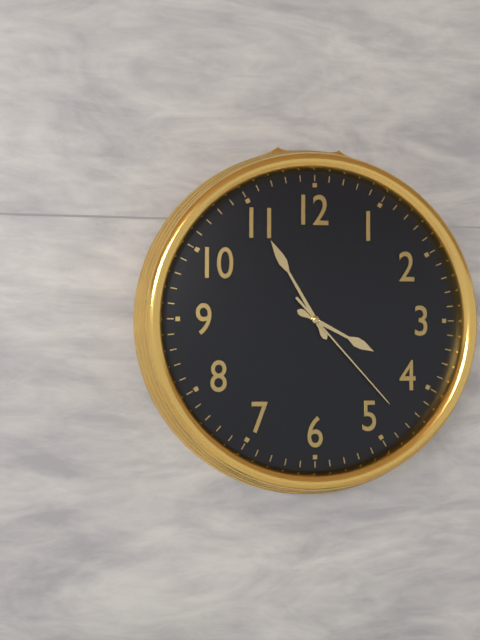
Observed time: 3h55m23s
